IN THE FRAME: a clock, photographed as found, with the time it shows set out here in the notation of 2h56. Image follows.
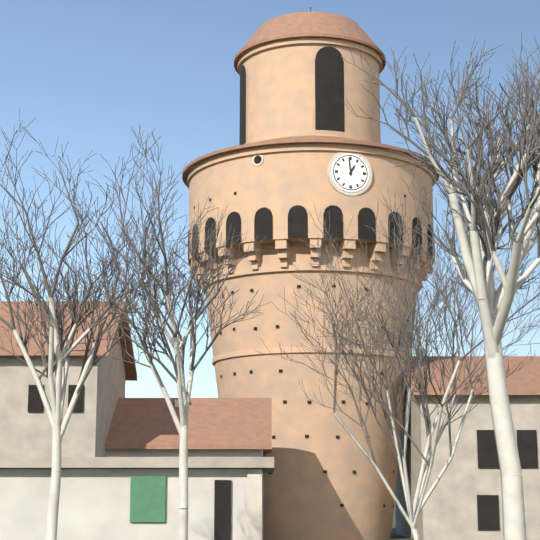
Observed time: 12h59
